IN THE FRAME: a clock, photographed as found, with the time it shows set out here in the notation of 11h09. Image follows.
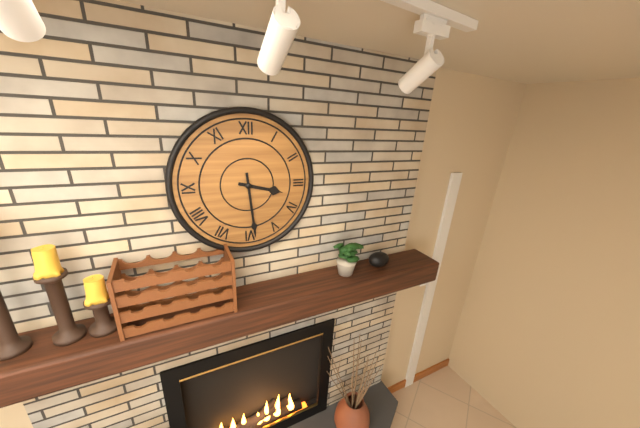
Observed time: 3h29
